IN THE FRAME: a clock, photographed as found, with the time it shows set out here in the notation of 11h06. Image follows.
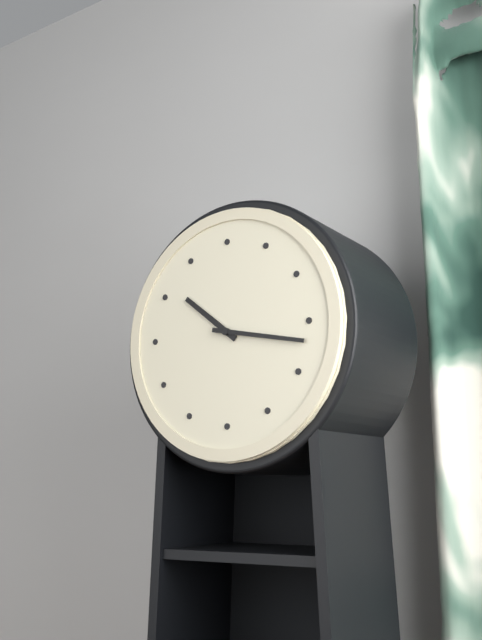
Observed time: 10h17
